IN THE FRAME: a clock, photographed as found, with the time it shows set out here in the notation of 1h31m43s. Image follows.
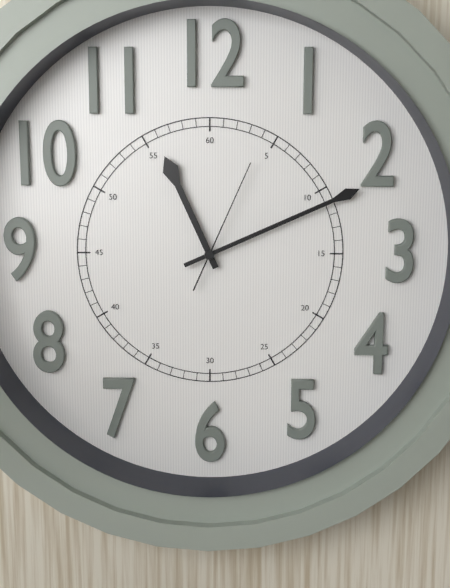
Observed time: 11h11m04s
